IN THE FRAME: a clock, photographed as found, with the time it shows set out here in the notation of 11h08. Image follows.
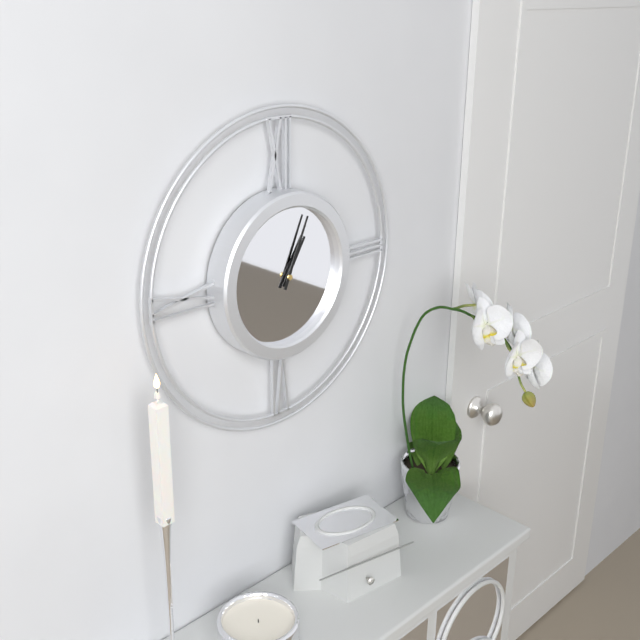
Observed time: 1h04
